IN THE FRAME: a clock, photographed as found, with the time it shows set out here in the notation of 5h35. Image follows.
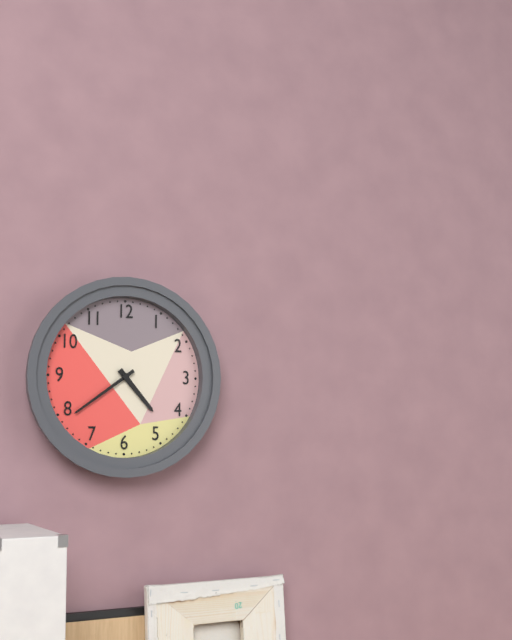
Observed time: 4h39
